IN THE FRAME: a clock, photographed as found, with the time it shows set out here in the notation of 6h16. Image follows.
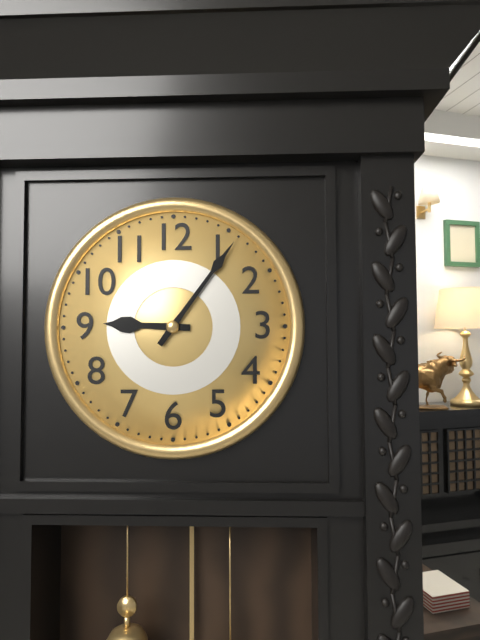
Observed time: 9h06
